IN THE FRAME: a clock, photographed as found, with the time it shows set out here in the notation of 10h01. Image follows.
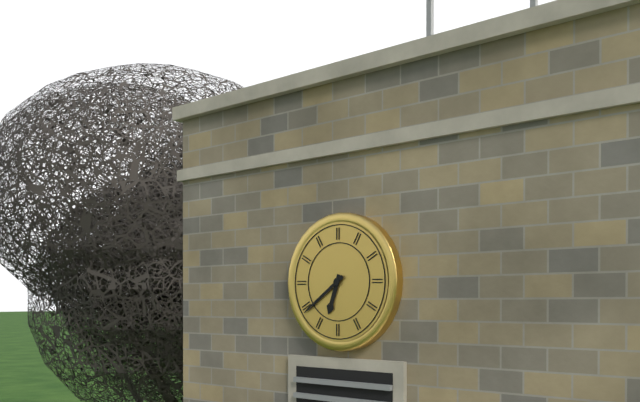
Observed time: 6h39
